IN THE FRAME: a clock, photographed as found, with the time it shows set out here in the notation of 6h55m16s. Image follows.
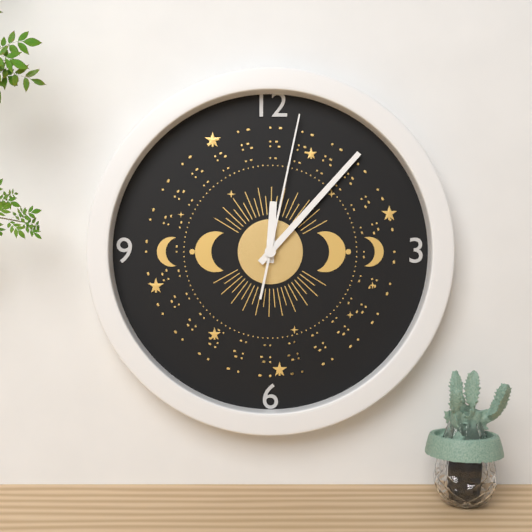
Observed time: 12h07m02s
